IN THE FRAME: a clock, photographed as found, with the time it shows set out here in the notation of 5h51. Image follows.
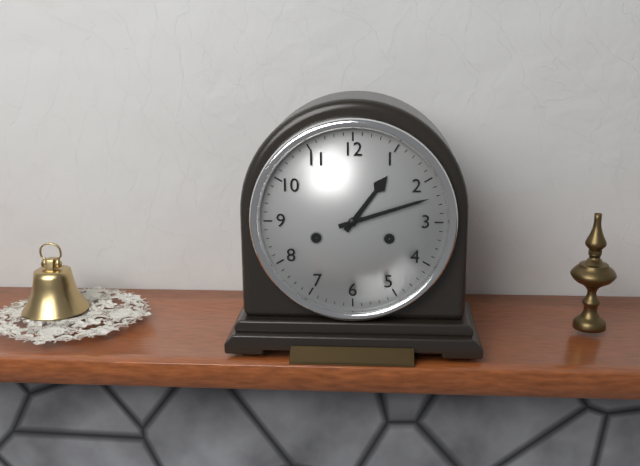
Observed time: 1h12
